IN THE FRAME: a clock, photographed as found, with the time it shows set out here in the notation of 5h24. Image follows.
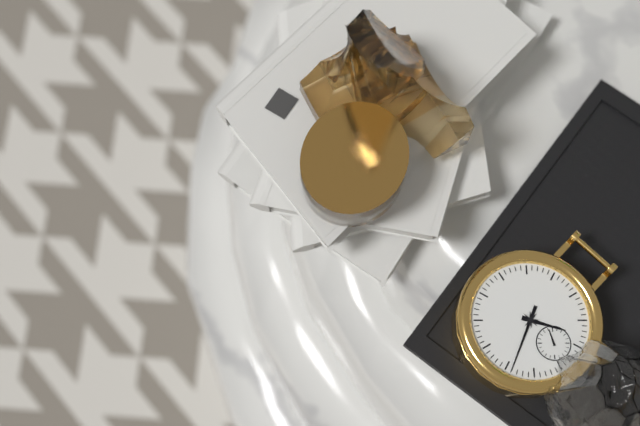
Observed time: 3h34
